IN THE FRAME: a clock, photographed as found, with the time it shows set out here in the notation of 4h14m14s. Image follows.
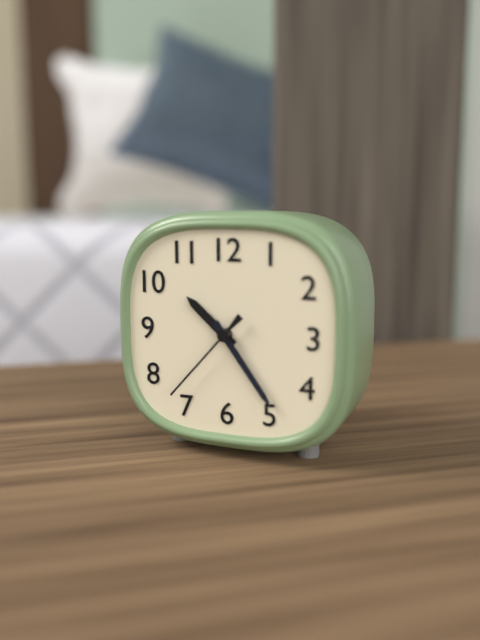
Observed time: 10h24m37s
